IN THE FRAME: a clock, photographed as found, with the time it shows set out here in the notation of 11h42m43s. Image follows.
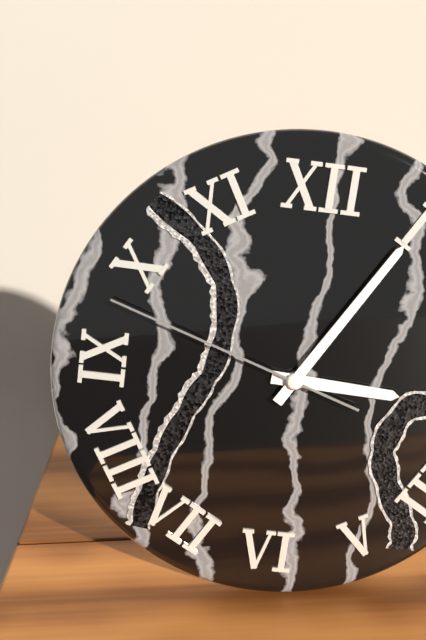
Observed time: 3h05m48s
